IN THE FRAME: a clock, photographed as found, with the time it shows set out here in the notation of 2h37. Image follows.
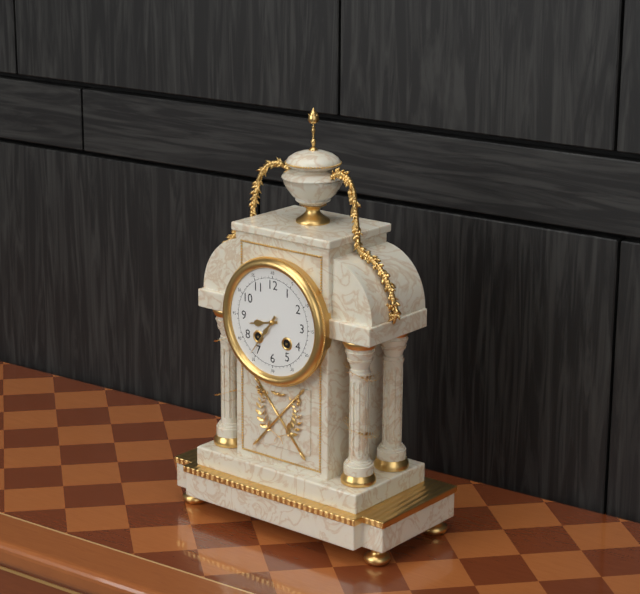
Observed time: 8h36
